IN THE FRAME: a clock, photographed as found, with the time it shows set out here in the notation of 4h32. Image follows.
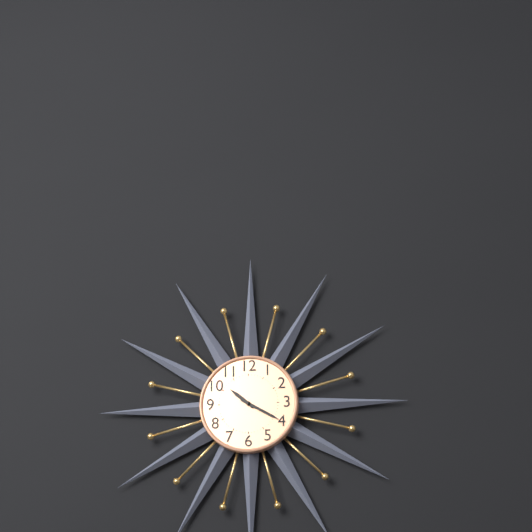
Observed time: 10h20
